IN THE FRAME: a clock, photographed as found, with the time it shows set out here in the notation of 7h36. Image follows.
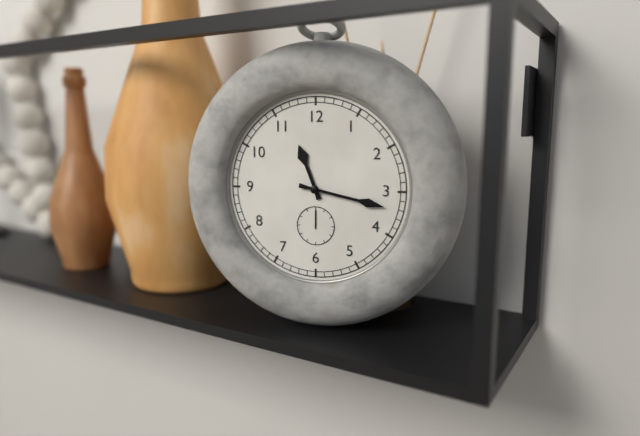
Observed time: 11h17
